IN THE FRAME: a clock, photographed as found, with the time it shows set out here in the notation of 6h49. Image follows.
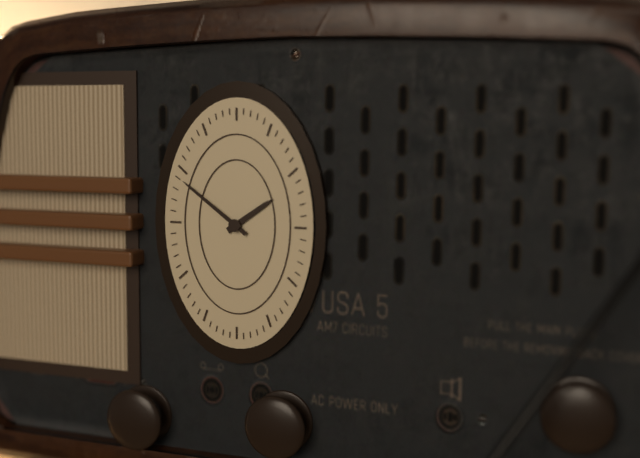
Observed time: 1h51
